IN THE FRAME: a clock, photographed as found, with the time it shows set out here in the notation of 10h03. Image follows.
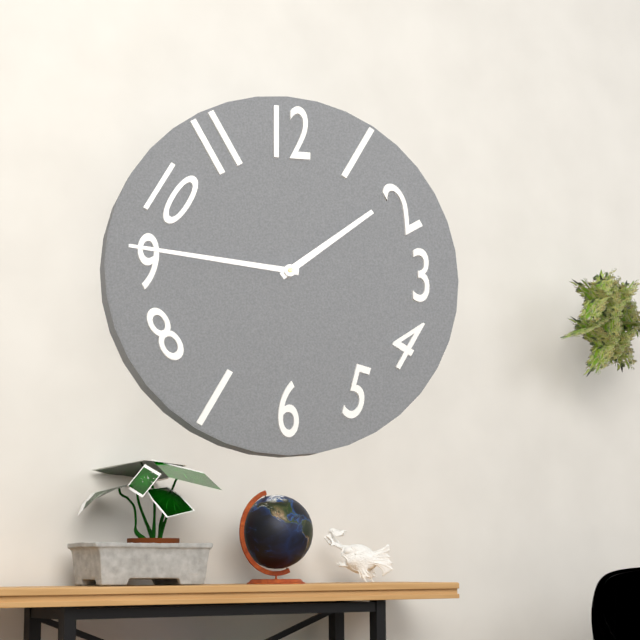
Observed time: 1h46
